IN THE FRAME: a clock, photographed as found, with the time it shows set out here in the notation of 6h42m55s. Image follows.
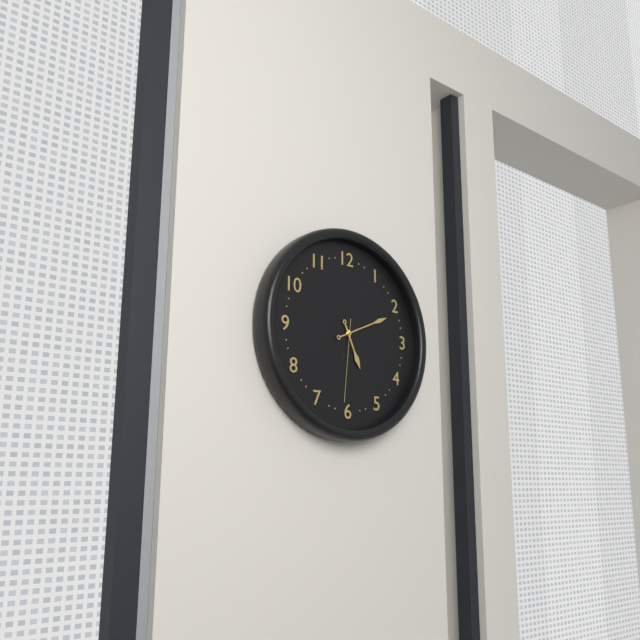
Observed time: 5h11m31s
